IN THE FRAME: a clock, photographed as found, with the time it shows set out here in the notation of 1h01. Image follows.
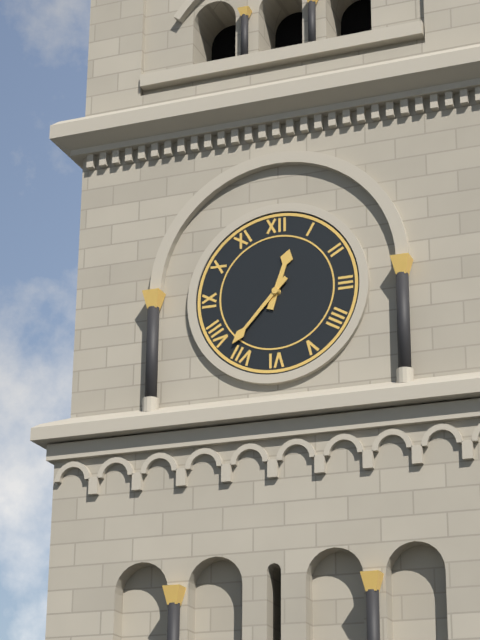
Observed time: 12h37
